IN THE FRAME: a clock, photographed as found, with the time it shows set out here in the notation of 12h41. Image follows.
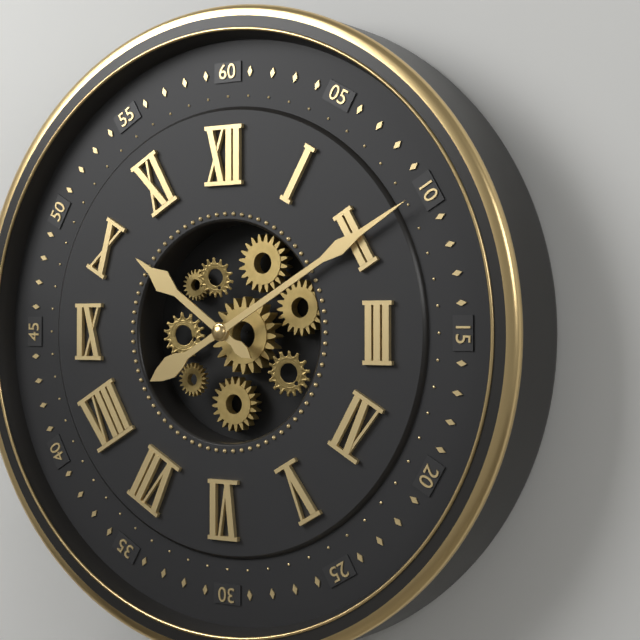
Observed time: 10h10
